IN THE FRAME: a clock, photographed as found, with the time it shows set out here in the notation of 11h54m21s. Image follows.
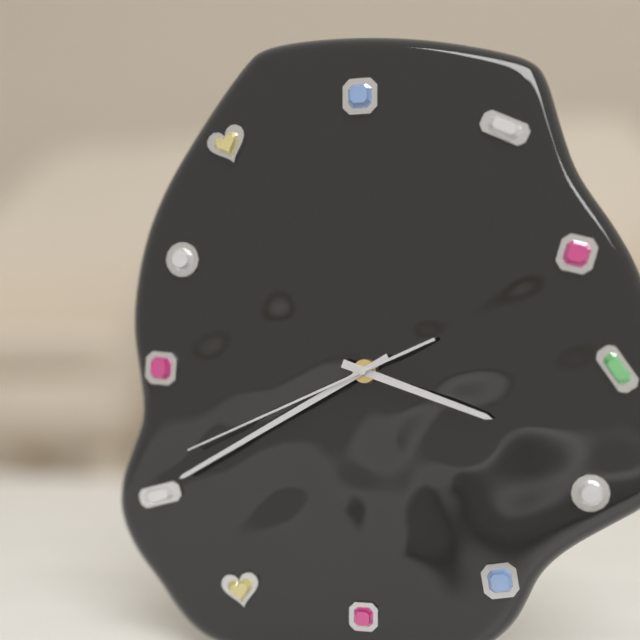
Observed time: 3h40m41s
